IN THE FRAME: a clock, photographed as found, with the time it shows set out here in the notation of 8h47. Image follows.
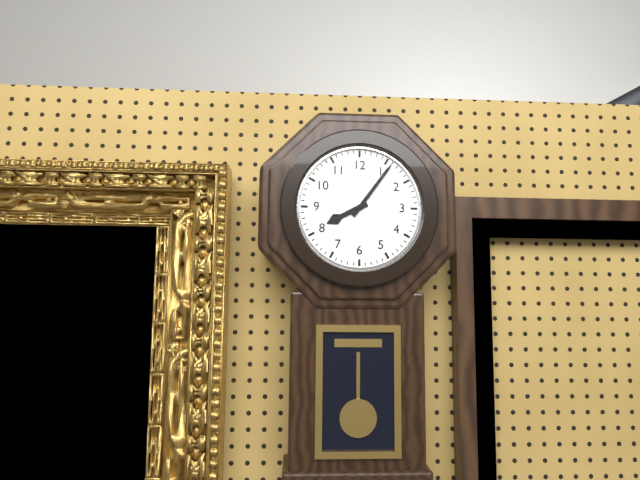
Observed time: 8h06
